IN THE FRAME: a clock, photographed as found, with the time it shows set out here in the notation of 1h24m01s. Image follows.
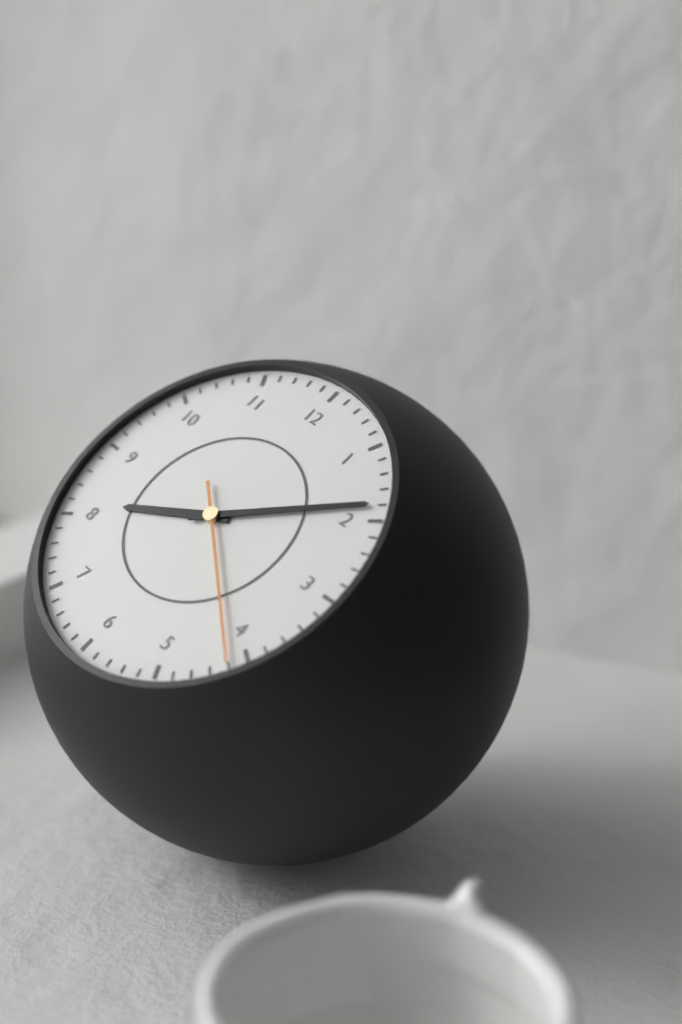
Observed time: 8h09m21s
